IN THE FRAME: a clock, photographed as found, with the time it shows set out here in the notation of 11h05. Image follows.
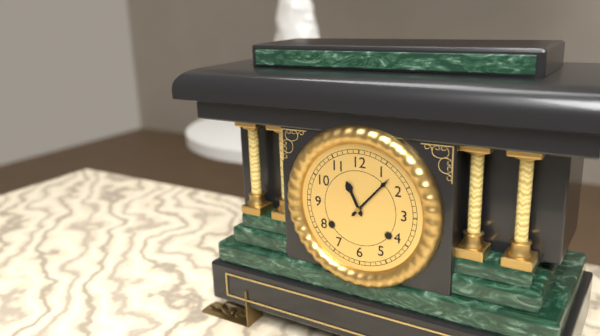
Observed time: 11h07
